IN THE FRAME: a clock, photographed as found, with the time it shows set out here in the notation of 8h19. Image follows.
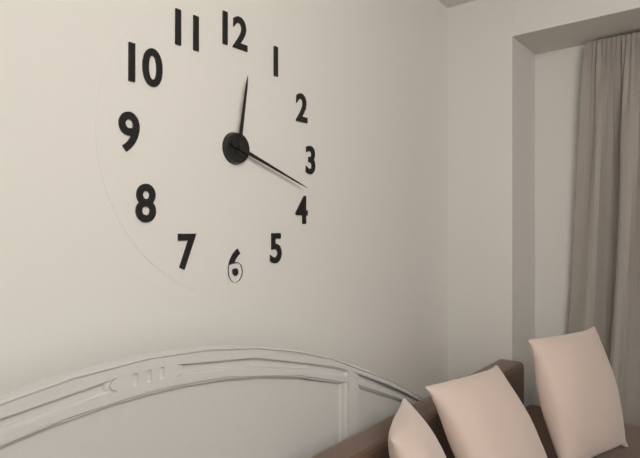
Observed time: 12h18
